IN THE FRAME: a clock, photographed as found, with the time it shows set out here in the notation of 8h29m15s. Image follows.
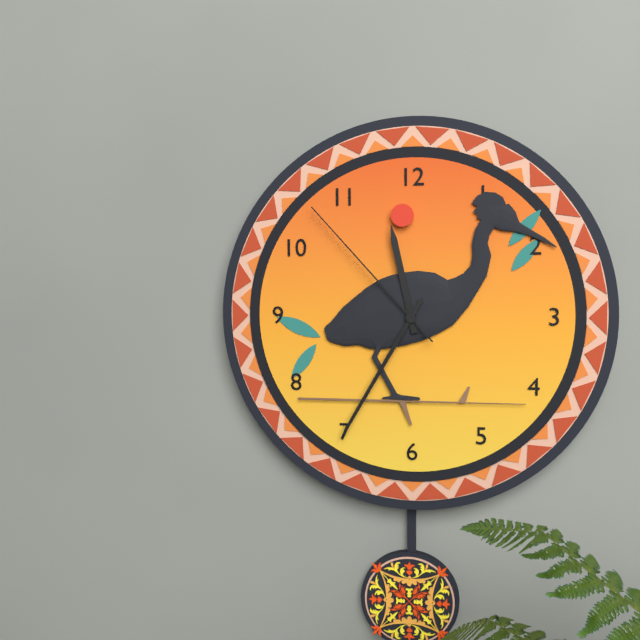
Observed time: 11h35m53s
